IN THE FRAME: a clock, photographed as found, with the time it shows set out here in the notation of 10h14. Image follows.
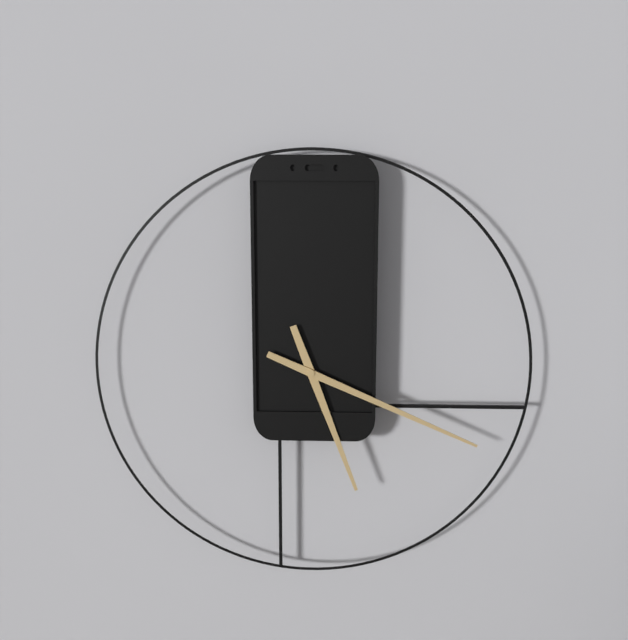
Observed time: 5h19
